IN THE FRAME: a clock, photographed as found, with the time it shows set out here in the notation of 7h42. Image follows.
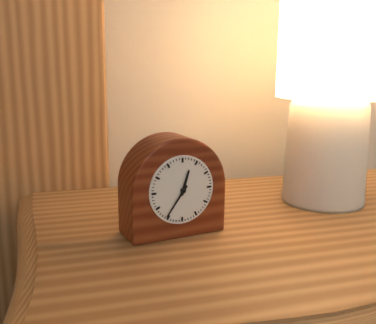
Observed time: 12h36
